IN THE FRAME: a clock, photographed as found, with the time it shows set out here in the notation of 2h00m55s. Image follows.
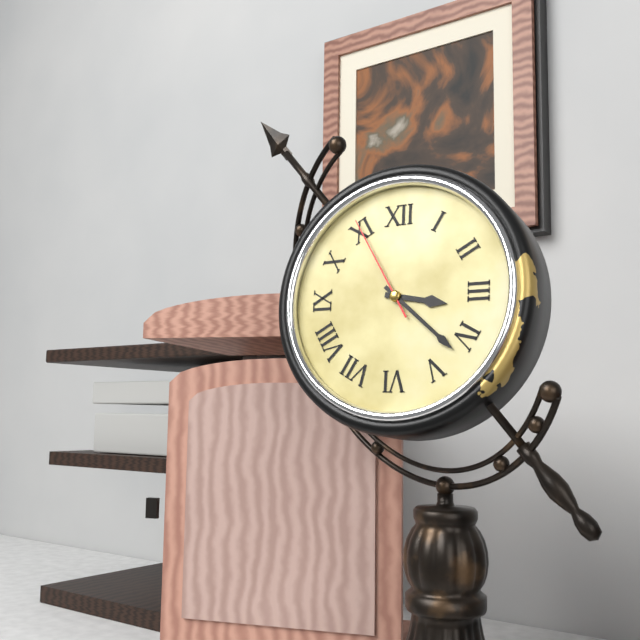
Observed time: 3h22m55s
